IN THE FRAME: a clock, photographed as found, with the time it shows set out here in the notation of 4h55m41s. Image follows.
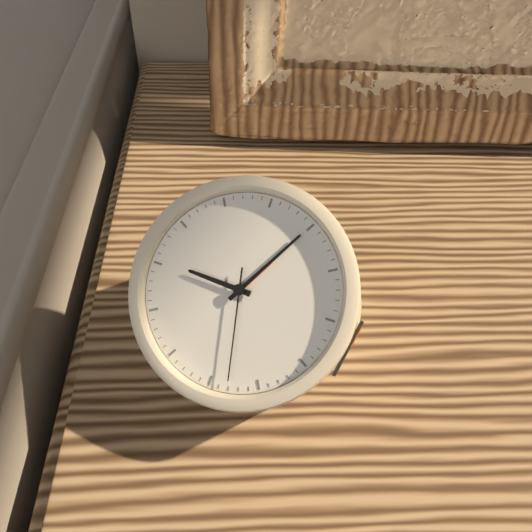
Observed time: 9h05m28s
